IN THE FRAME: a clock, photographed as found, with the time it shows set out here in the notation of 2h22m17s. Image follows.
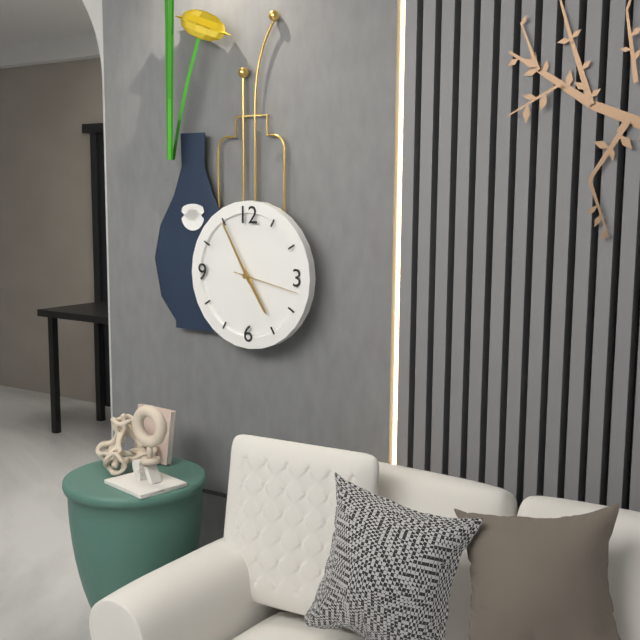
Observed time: 4h55m17s
